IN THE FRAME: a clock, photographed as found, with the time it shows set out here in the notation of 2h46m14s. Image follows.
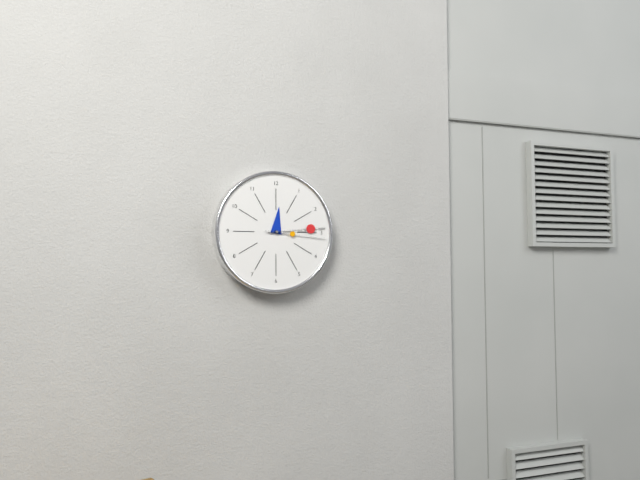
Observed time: 12h14m16s
